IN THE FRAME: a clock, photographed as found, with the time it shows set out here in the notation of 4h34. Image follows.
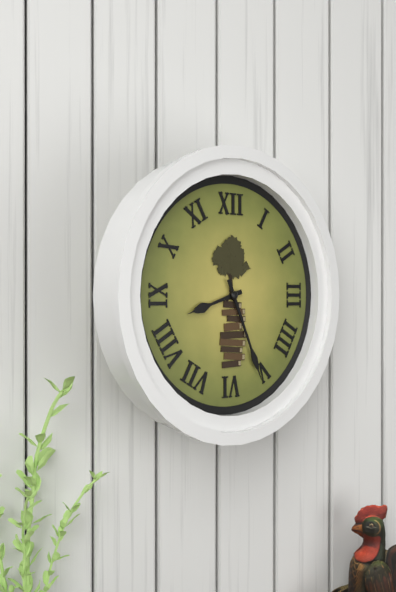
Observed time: 8h26
